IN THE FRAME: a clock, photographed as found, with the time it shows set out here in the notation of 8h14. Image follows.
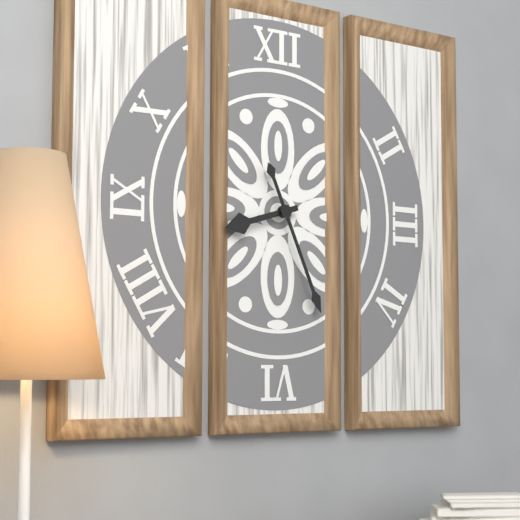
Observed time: 8h26
